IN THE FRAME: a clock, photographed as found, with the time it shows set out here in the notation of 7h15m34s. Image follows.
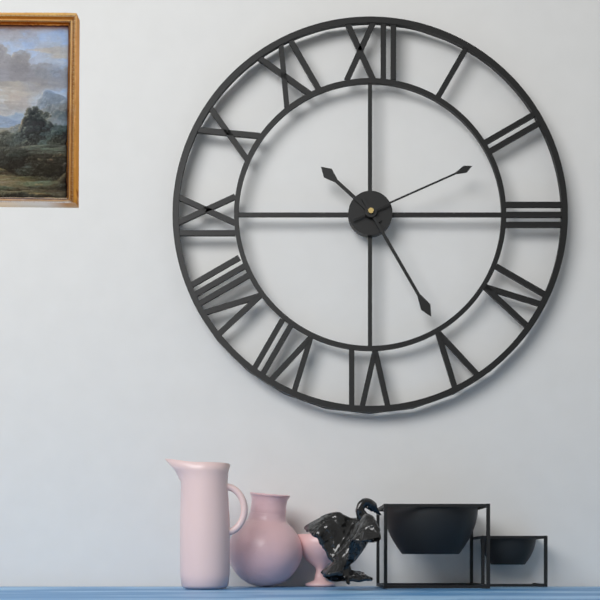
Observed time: 10h25m11s
